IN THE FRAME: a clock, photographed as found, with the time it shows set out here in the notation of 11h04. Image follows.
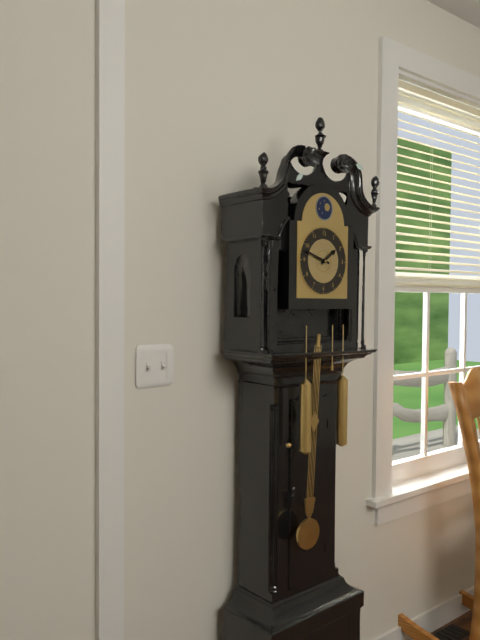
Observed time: 1h48
